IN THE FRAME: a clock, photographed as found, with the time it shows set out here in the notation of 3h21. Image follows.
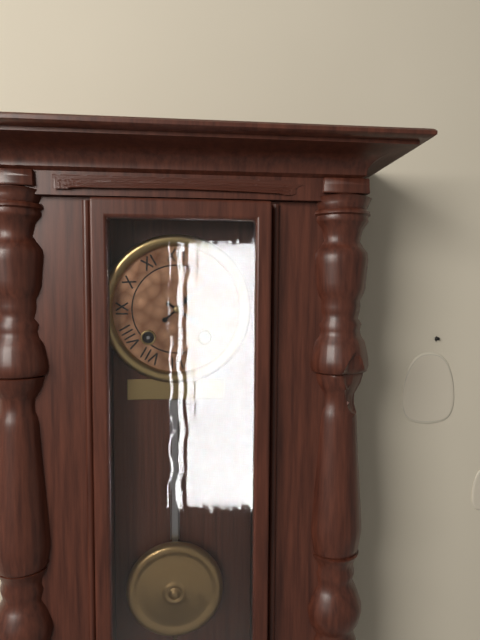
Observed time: 4h08
